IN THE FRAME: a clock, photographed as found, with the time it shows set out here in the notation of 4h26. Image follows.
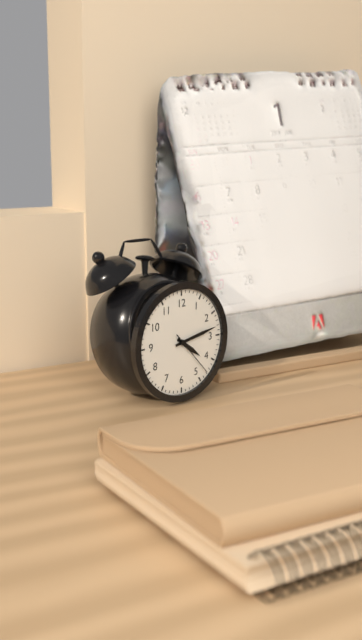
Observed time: 4h13
